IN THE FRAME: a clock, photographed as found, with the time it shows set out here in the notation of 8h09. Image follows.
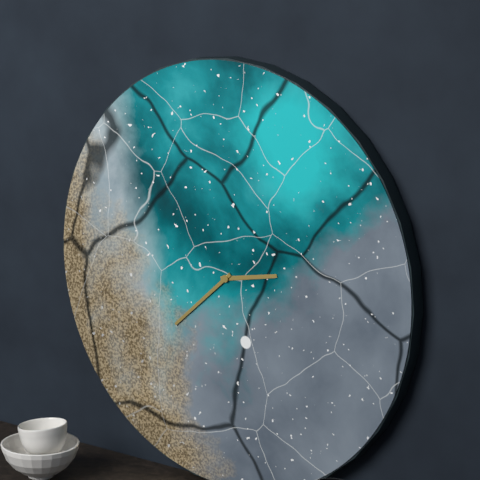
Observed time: 2h38
